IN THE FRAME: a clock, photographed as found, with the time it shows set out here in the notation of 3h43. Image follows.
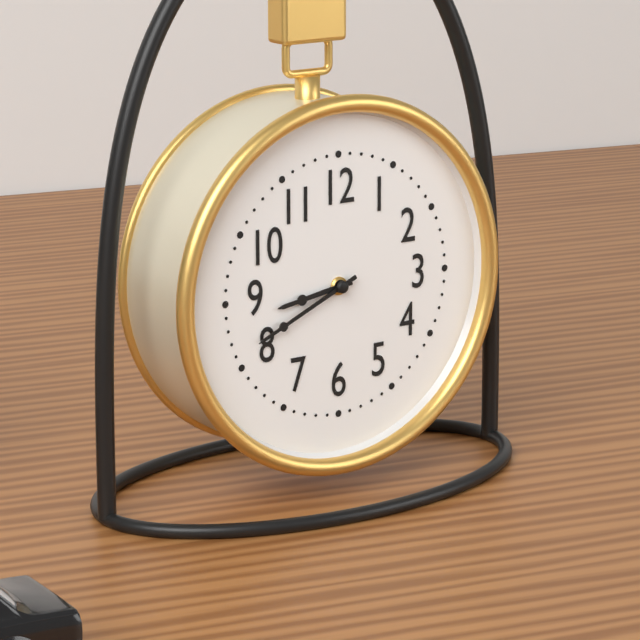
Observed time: 8h41
